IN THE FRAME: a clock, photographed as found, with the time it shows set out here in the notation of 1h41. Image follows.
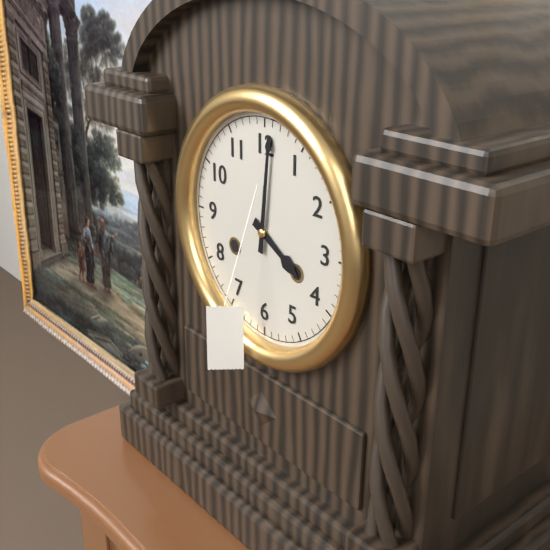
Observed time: 4h01
